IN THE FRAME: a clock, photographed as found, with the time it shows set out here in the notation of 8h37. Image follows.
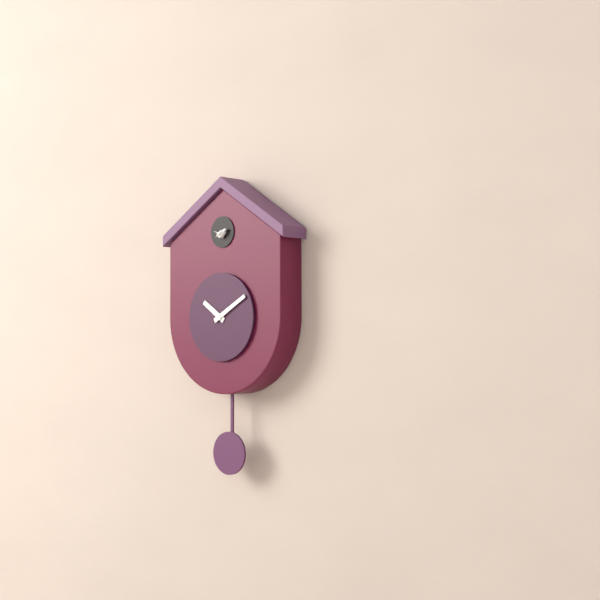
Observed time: 10h10
